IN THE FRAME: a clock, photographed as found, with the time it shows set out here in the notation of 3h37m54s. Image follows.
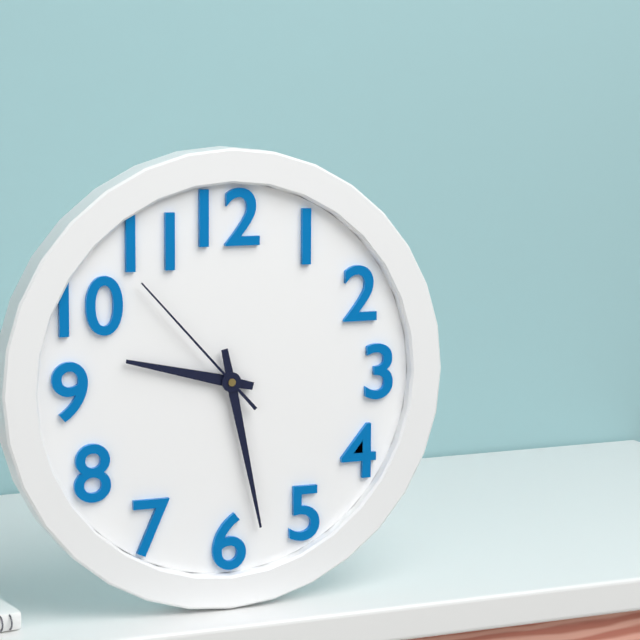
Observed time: 9h28m53s
